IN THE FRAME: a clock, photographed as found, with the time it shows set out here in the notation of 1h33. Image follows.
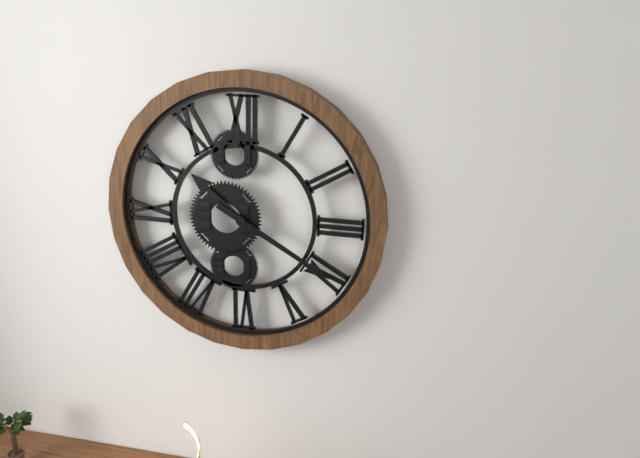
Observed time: 10h20
